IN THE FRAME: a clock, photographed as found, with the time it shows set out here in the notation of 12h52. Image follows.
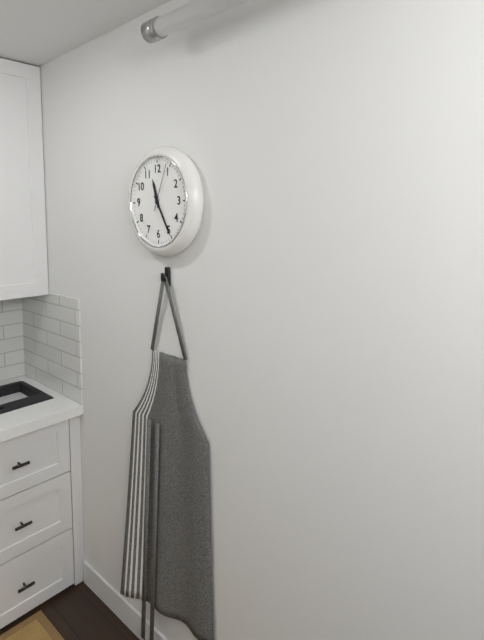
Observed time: 11h25
